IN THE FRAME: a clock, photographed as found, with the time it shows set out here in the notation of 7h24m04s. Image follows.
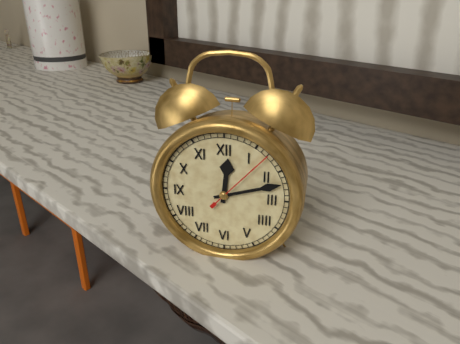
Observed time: 12h12m07s
